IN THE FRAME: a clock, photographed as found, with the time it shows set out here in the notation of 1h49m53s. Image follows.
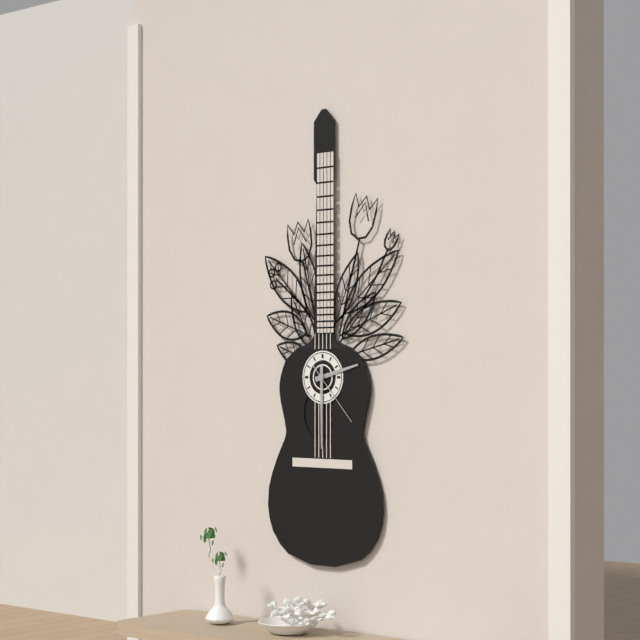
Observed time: 2h30m23s
